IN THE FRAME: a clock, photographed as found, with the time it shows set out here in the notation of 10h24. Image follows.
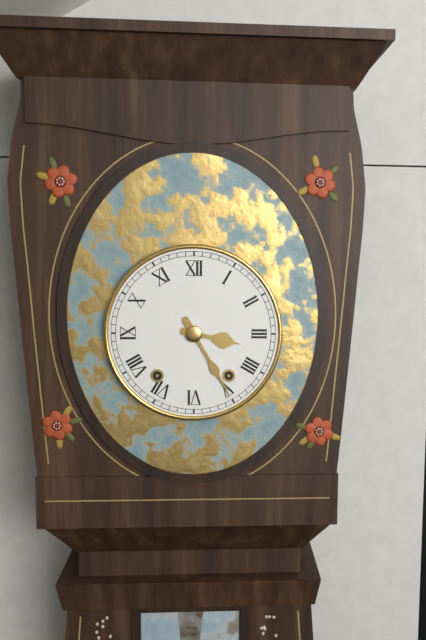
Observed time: 3h25
